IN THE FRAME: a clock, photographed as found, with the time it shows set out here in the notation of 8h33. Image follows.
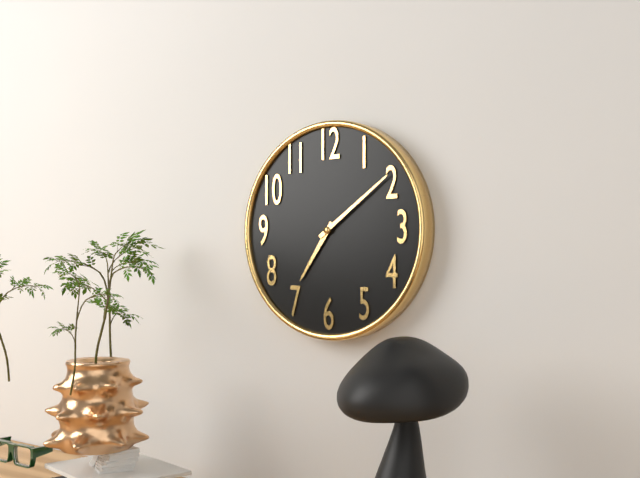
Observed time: 7h09
